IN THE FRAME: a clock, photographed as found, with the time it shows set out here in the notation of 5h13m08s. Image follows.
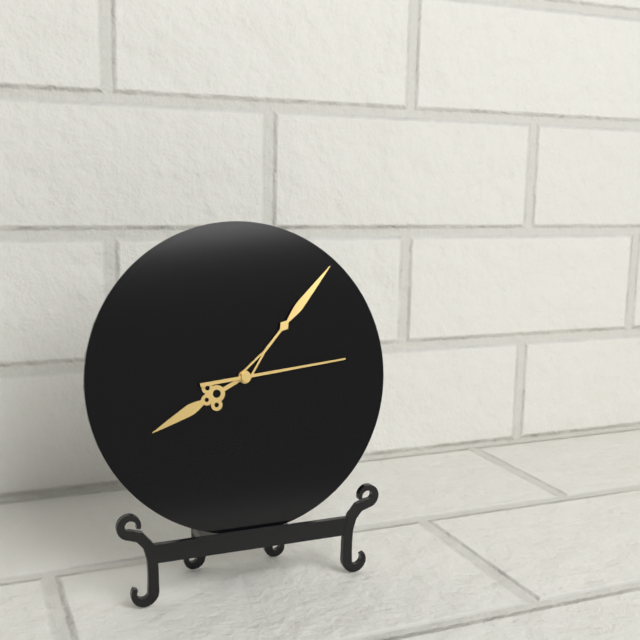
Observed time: 8h07m14s
